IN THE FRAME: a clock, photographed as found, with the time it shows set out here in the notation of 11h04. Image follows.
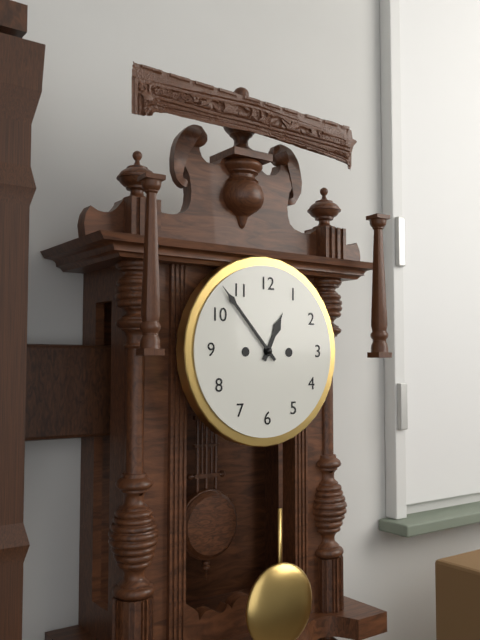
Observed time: 12h53
